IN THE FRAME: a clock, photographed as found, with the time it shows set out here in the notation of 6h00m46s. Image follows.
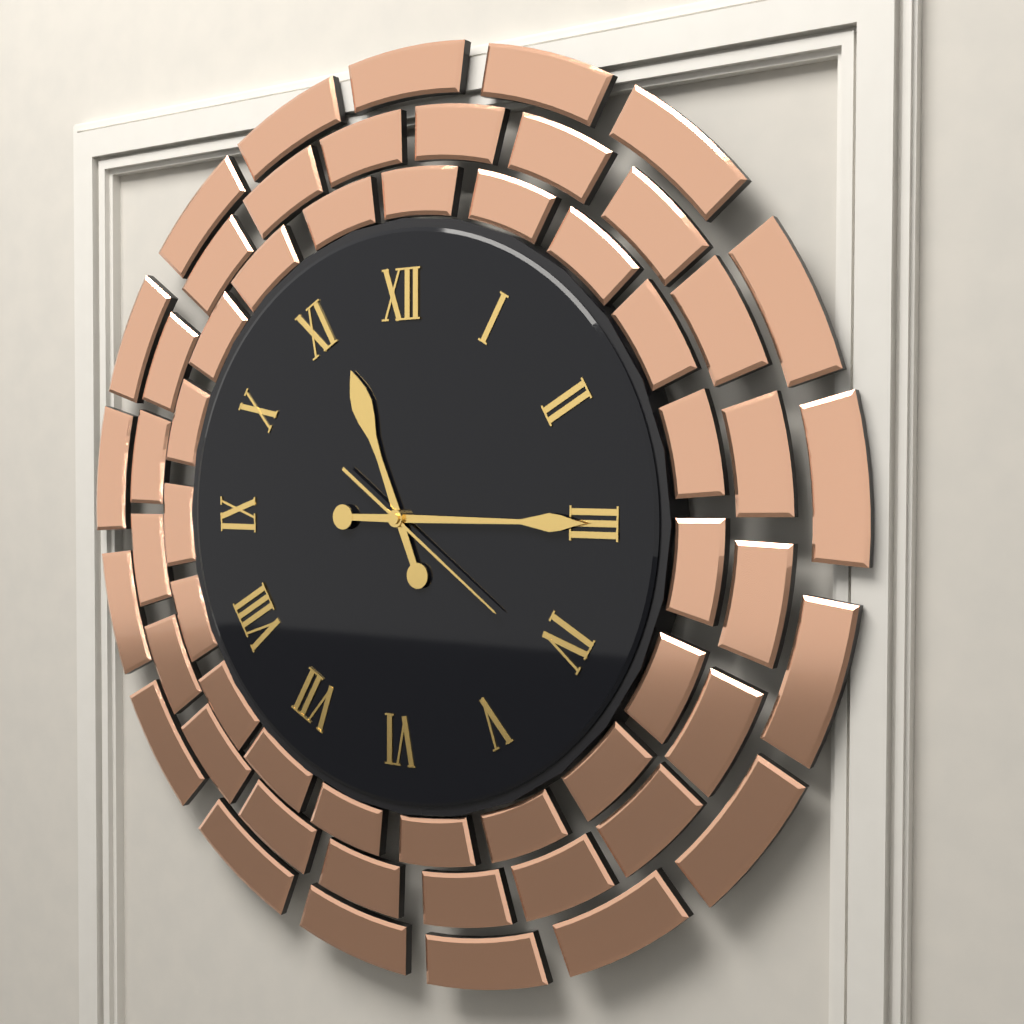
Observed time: 11h15m21s
